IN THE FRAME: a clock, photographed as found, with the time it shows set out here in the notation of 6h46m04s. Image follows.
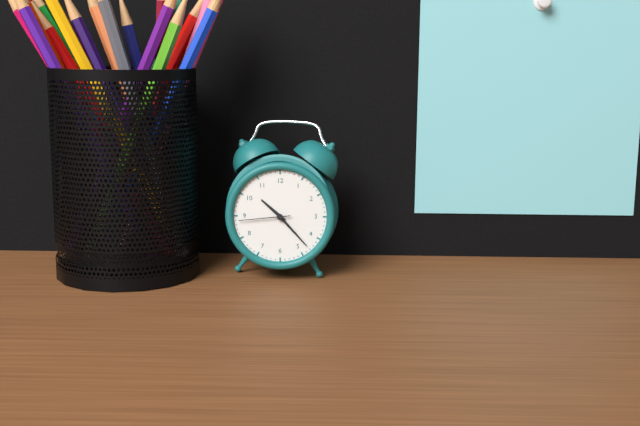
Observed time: 10h23m44s
